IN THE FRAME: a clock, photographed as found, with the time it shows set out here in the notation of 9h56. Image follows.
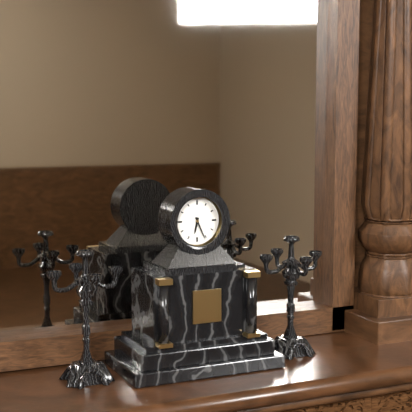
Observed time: 6h26
